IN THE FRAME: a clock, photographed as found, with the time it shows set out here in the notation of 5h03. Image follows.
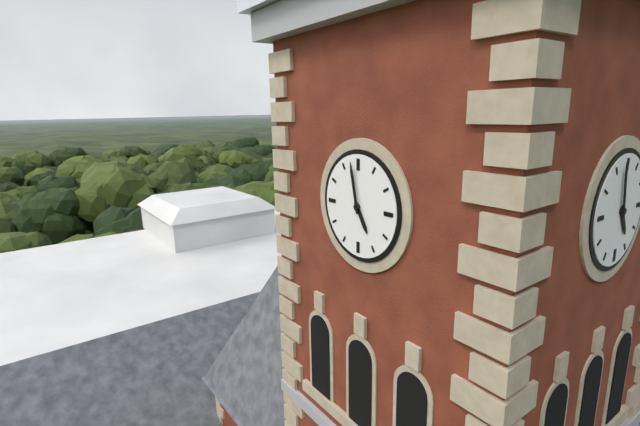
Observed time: 4h58
